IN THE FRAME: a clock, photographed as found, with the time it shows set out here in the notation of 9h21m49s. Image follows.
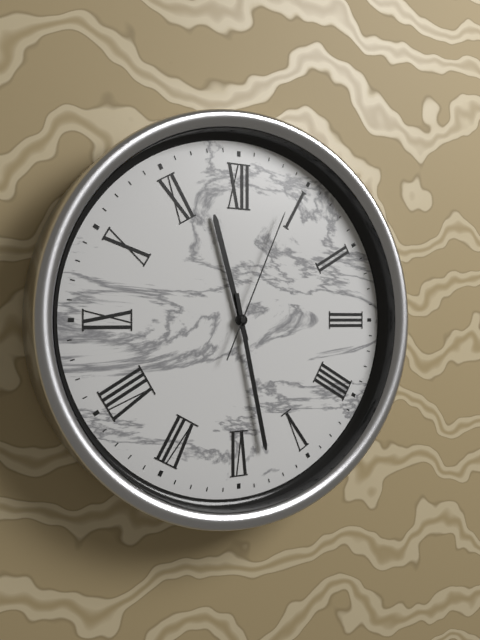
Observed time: 11h28m04s
